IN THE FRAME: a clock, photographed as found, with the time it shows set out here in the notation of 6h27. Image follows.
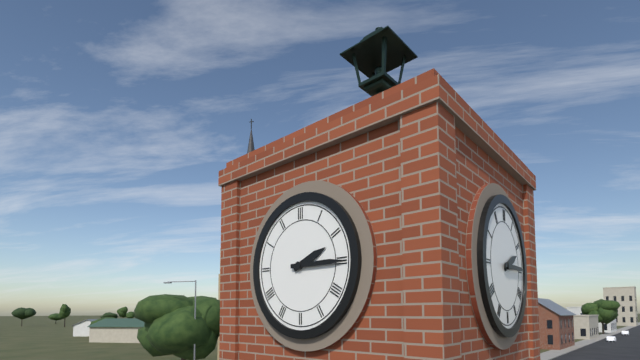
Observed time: 2h15
